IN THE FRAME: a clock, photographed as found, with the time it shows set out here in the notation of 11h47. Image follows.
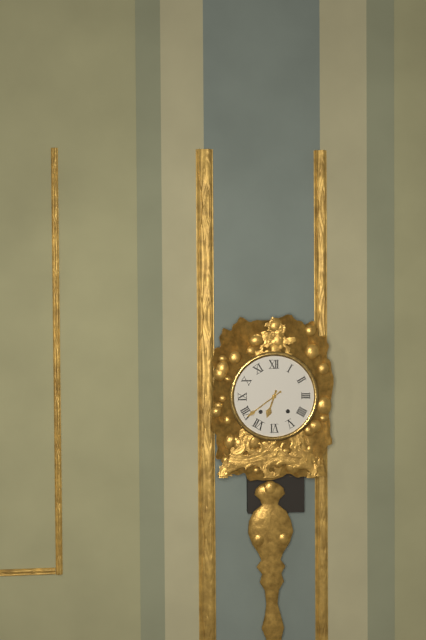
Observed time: 6h39
